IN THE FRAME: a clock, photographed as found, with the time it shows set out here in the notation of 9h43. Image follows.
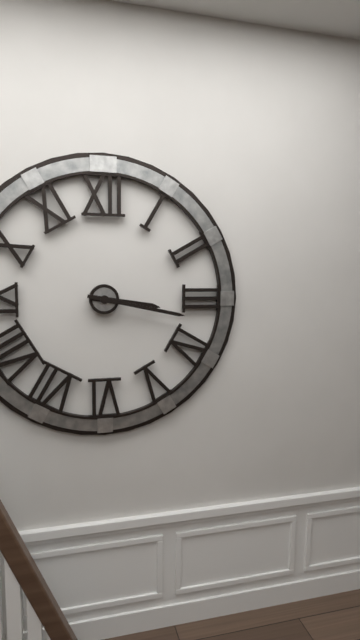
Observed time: 3h17
